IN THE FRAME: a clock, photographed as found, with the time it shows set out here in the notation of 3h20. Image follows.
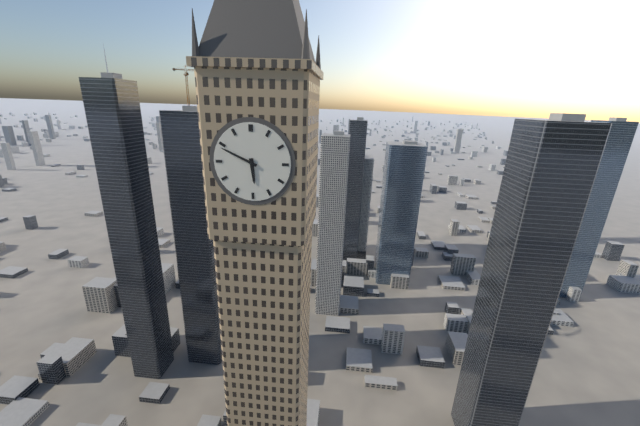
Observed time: 5h49
